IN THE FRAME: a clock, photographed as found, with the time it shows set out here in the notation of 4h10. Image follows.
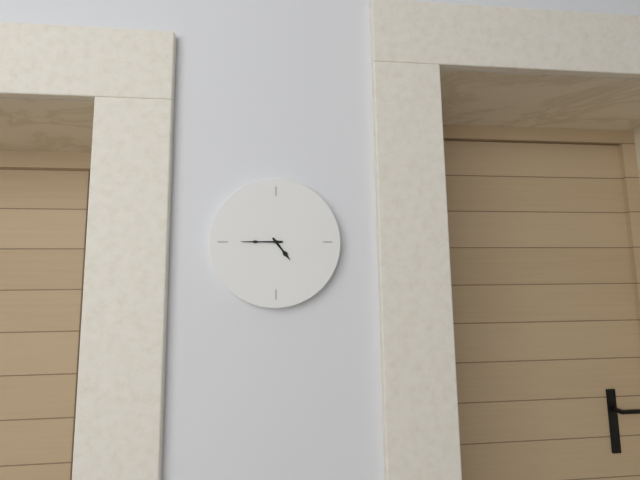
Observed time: 4h45
